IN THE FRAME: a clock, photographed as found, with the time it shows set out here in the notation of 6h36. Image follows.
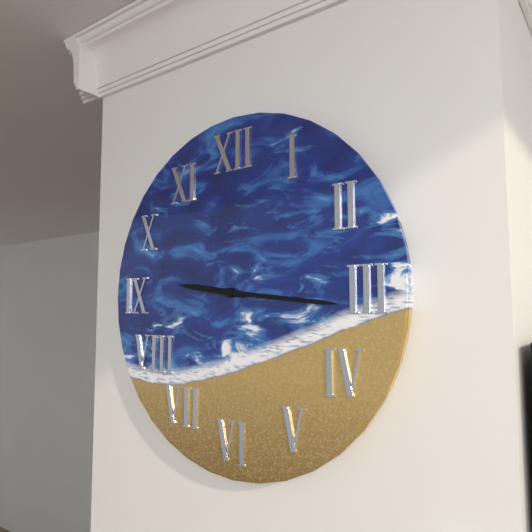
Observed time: 9h16
